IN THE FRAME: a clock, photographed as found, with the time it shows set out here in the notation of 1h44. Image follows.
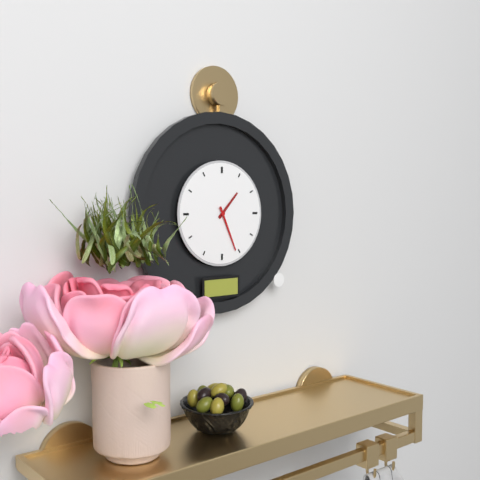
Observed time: 1h26
